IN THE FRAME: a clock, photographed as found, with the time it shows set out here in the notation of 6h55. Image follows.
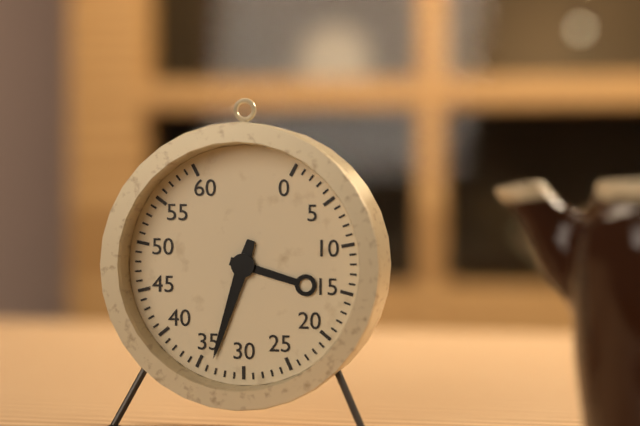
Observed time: 3h33
